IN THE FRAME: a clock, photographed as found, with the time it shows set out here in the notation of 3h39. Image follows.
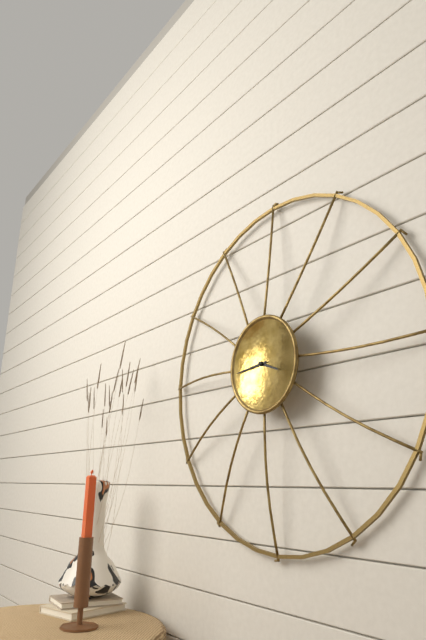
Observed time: 3h44
